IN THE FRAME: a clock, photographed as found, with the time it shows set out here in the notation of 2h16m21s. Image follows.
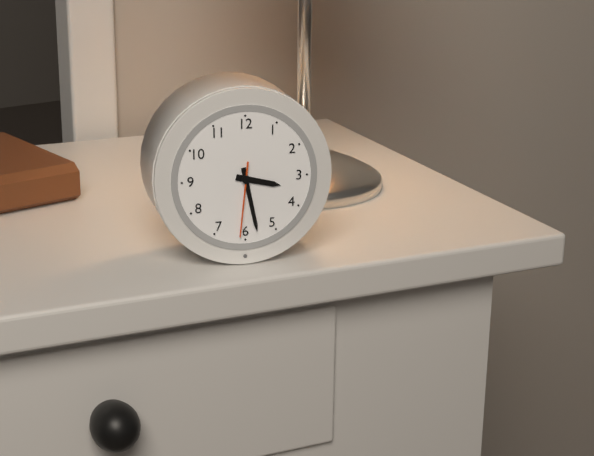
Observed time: 3h28m31s
